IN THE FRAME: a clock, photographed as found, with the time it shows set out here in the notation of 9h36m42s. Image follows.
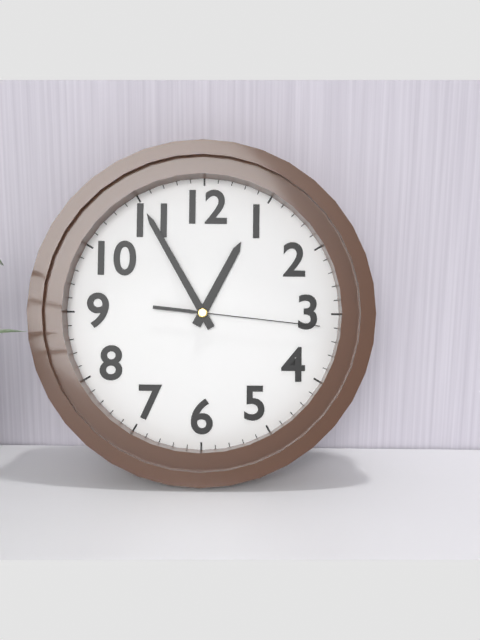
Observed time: 12h55m16s
